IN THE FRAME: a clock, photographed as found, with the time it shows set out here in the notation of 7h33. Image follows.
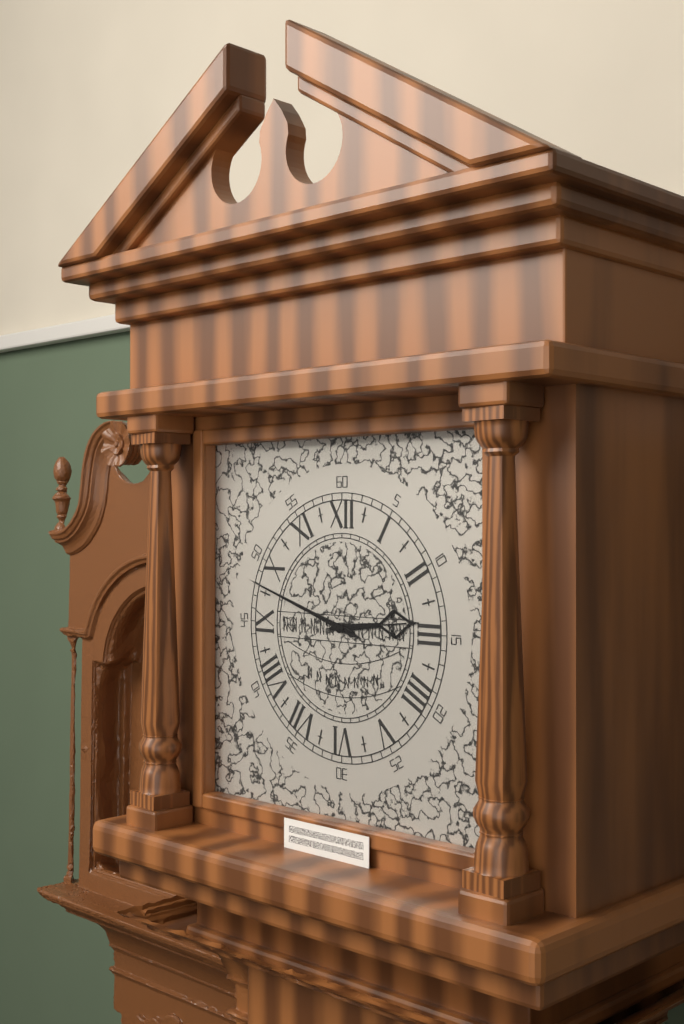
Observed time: 2h48
